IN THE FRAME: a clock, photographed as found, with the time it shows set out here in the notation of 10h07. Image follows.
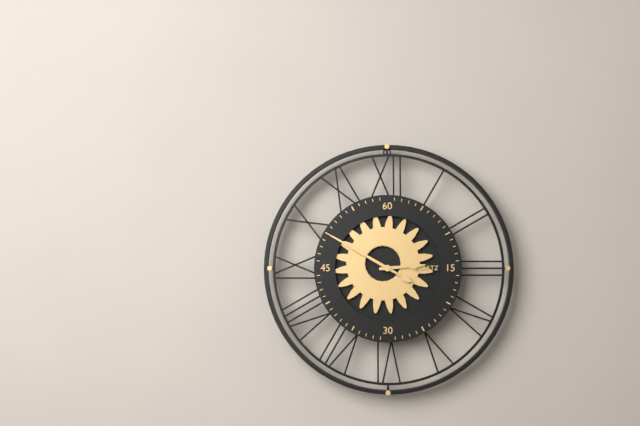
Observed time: 2h50
